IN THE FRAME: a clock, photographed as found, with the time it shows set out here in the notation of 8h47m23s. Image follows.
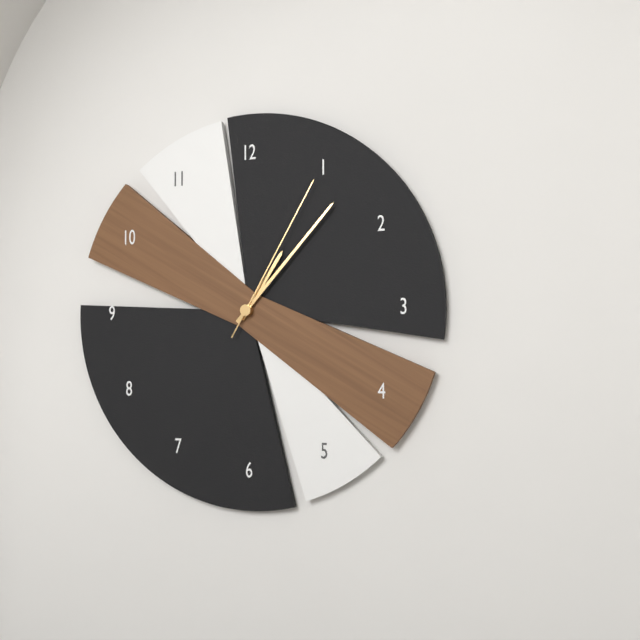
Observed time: 1h07m05s
